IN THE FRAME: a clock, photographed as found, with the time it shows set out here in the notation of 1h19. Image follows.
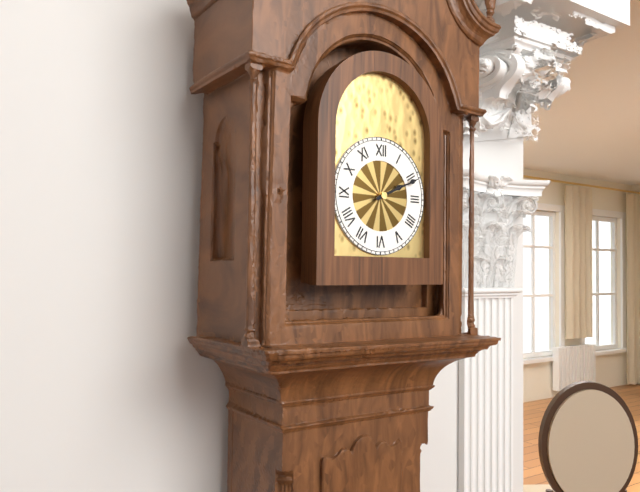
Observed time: 2h11
